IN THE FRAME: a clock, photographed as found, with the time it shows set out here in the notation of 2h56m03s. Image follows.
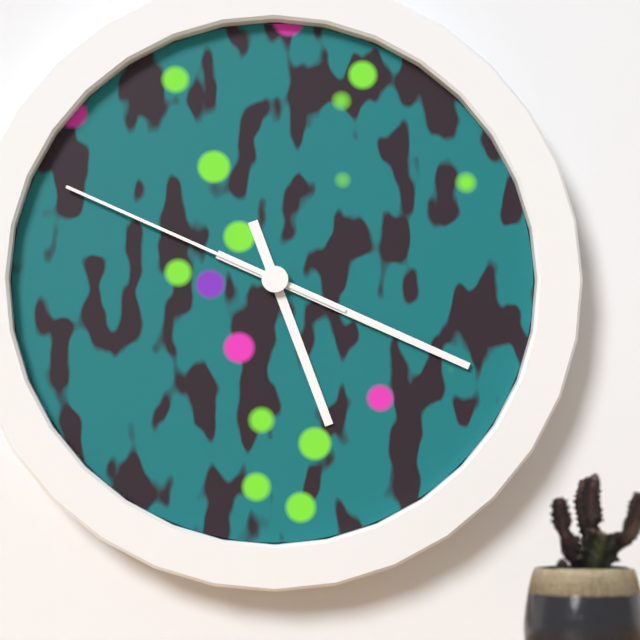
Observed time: 5h19m49s
